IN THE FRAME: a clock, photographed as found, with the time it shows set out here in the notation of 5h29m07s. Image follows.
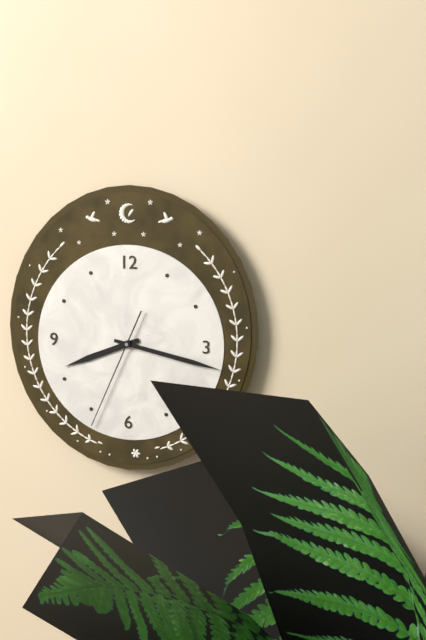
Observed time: 8h17m34s
